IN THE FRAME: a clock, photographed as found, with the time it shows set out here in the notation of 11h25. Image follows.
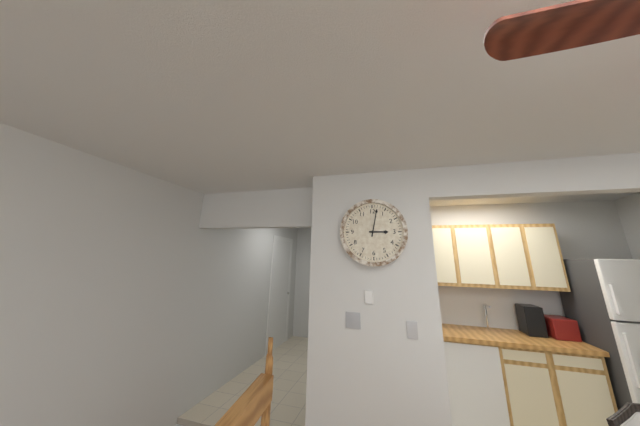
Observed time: 3h02
